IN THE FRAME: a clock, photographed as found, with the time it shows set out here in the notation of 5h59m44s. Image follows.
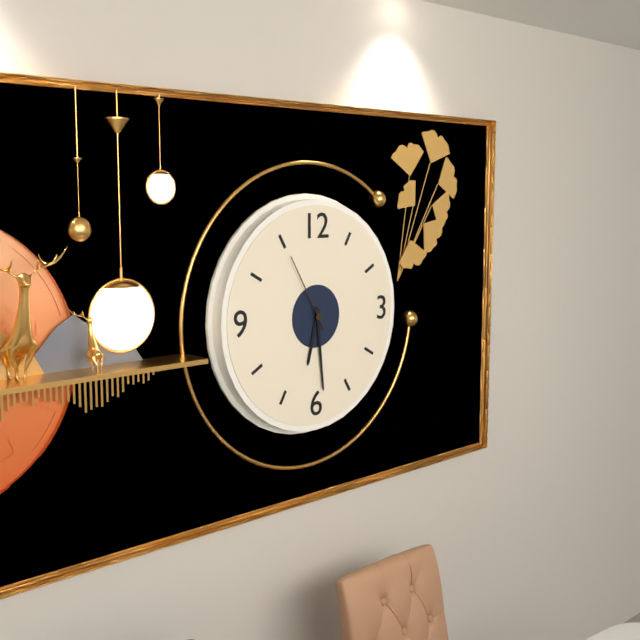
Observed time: 6h29m55s
